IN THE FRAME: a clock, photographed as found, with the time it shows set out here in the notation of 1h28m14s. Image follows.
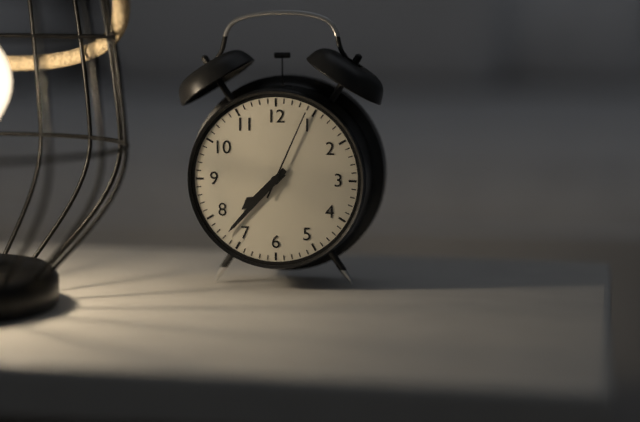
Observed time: 7h37m04s
